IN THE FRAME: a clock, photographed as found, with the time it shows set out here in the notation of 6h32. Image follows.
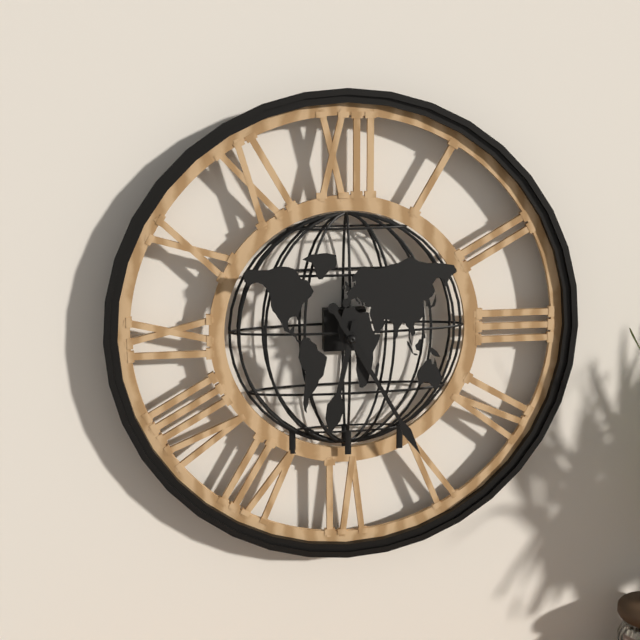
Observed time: 6h25
